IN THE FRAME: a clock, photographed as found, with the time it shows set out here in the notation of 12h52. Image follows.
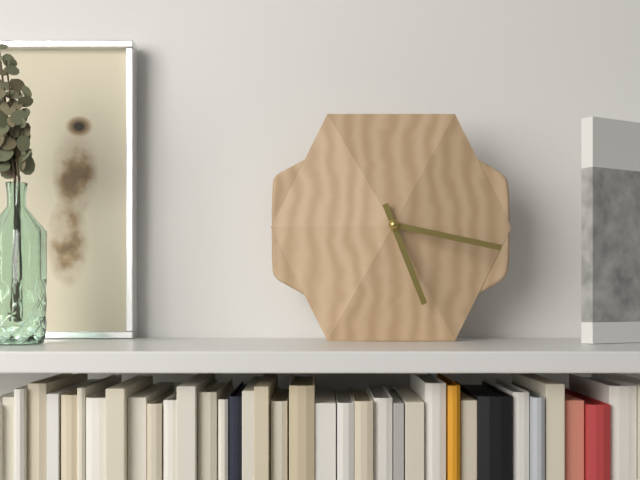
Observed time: 5h17
